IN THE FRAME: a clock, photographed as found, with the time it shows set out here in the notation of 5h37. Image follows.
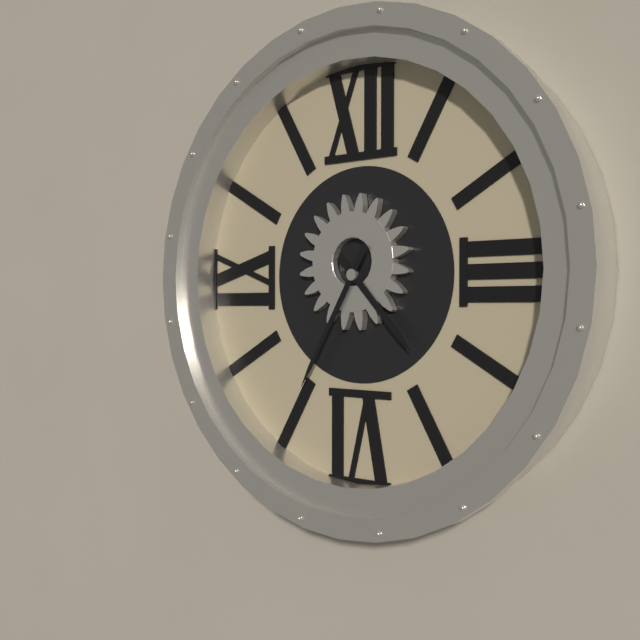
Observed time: 4h35
